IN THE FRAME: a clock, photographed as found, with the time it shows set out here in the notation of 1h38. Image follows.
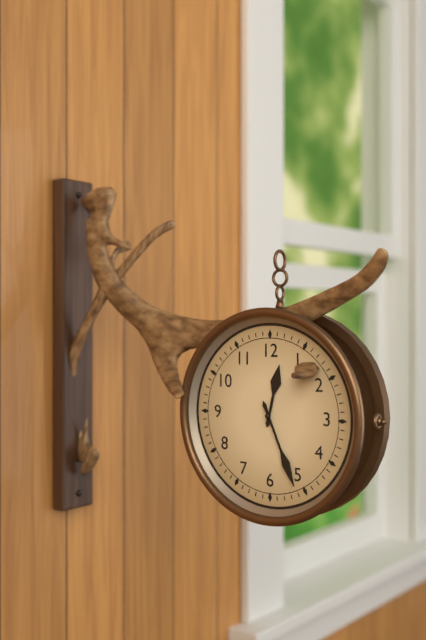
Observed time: 12h26
